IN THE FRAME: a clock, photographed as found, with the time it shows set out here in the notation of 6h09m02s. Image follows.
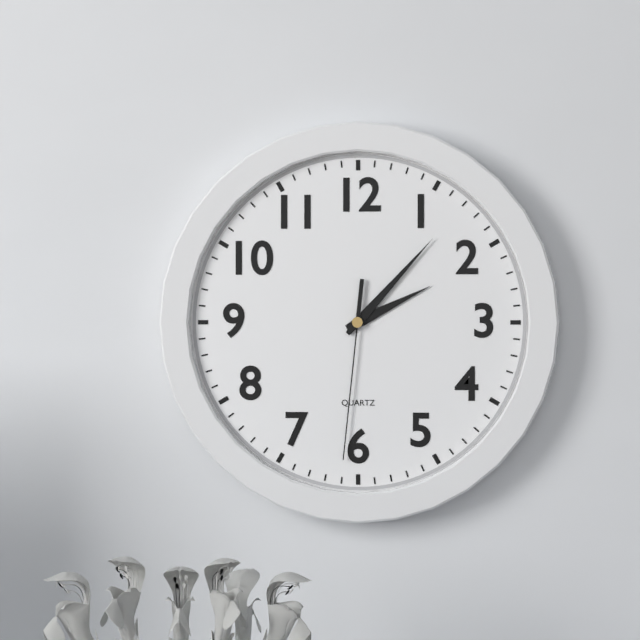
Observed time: 2h07m31s
